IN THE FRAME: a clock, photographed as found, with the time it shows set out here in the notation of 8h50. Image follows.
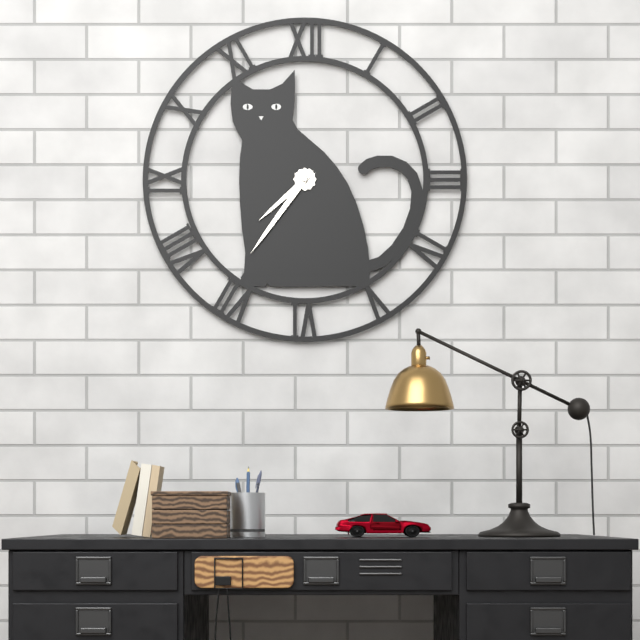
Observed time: 7h36
